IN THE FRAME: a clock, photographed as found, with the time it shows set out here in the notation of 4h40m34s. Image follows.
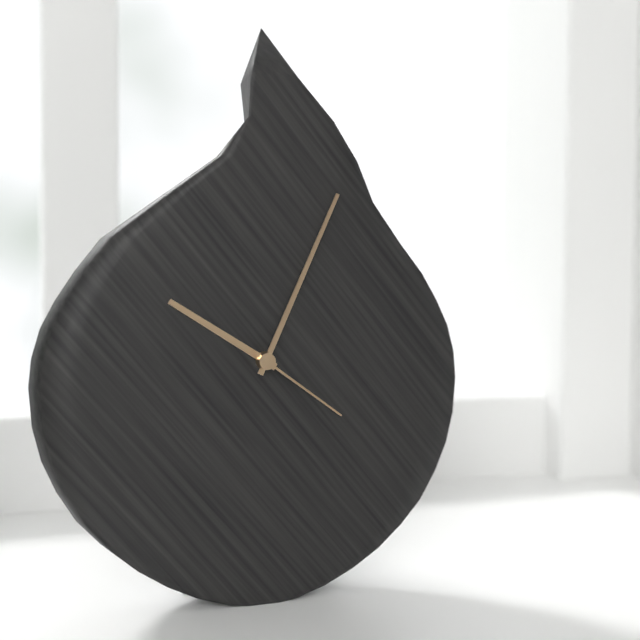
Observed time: 10h04m21s
